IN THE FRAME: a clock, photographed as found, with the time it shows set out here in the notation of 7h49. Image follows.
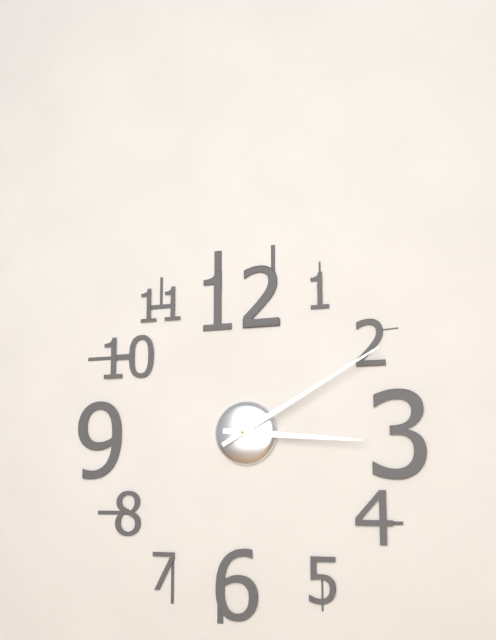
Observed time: 3h10
